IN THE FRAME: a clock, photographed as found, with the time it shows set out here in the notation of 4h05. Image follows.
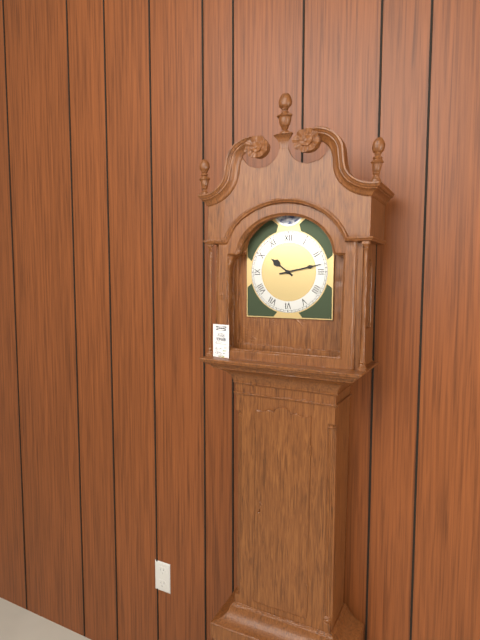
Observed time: 10h13
